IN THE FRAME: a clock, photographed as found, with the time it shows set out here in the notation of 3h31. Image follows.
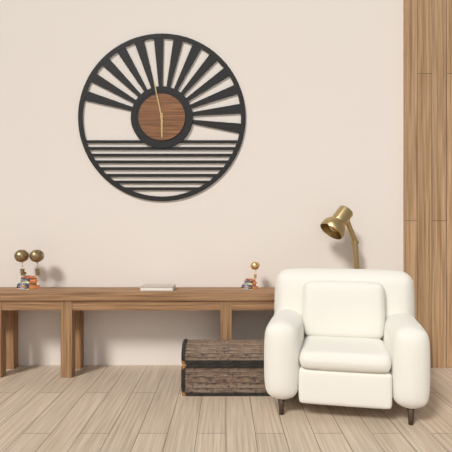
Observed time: 5h58
